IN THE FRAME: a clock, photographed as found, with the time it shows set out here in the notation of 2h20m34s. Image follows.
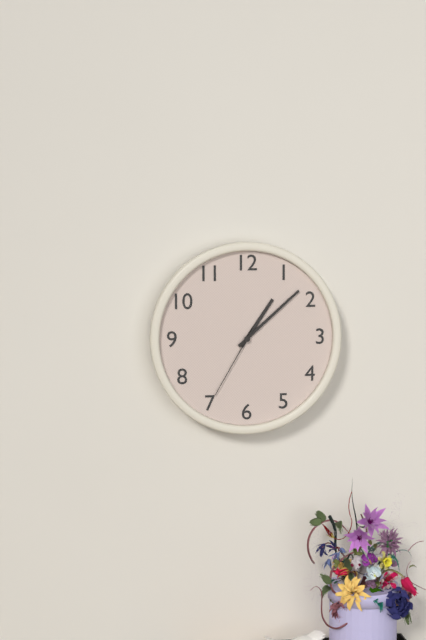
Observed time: 1h08m35s
